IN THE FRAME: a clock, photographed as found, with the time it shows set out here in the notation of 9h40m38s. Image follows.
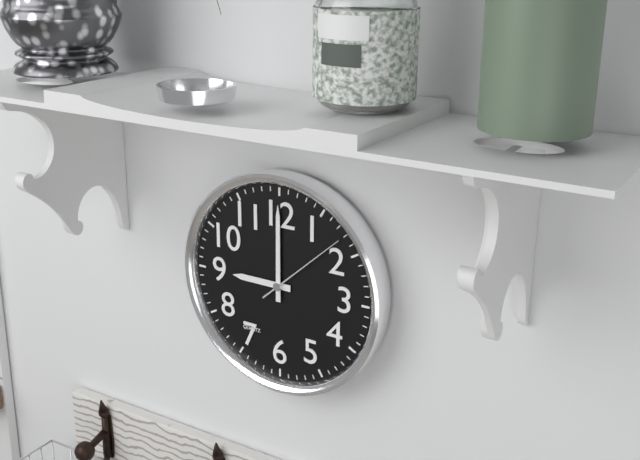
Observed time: 9h00m08s
